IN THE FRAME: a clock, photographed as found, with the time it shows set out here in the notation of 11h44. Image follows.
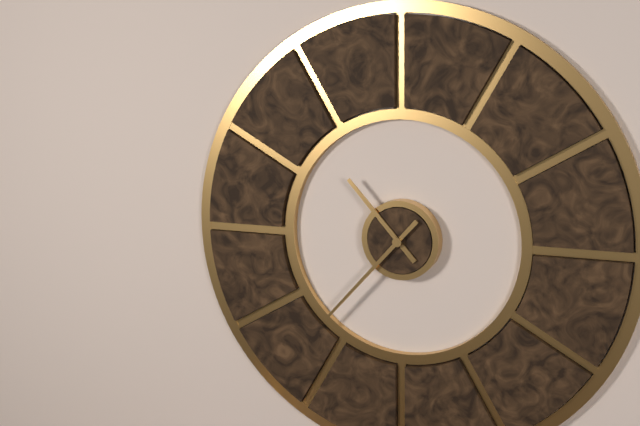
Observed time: 10h37
